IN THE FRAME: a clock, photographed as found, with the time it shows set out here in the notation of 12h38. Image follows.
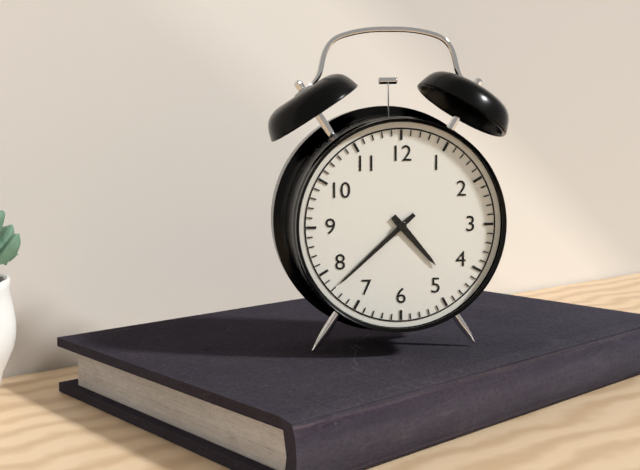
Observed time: 4h38
